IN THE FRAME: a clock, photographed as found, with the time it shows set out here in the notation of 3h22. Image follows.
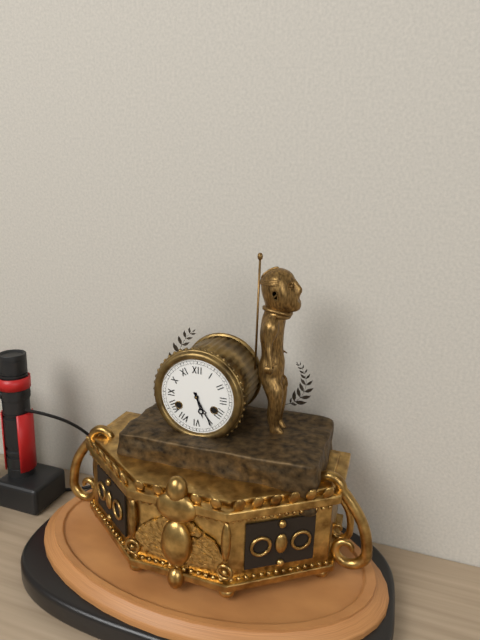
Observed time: 5h25
